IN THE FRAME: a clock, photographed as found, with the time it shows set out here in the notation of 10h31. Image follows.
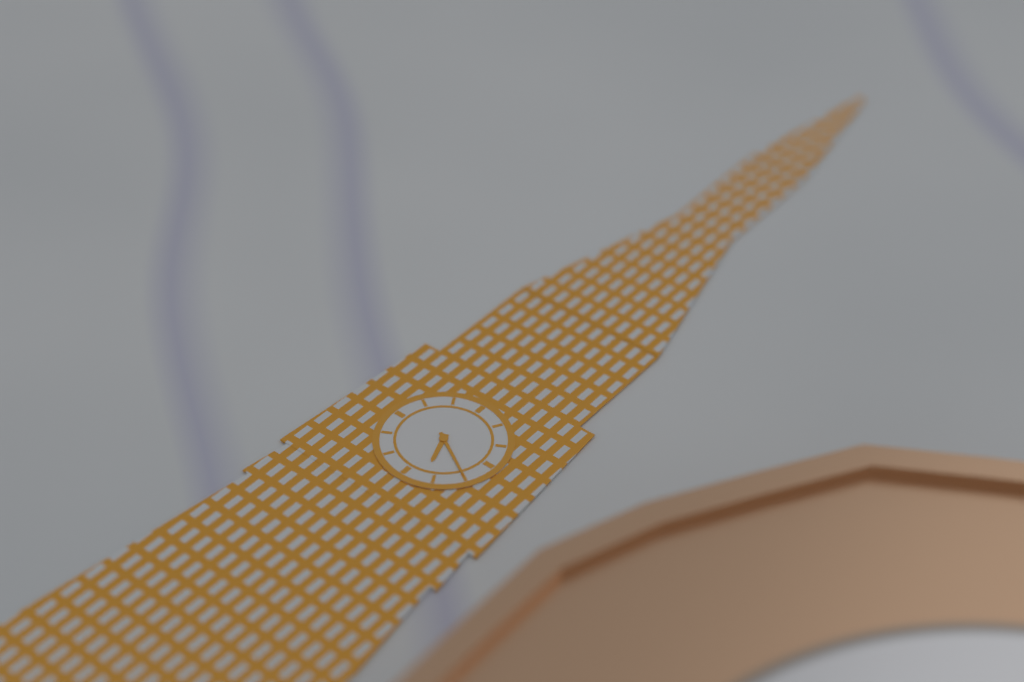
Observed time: 5h20
